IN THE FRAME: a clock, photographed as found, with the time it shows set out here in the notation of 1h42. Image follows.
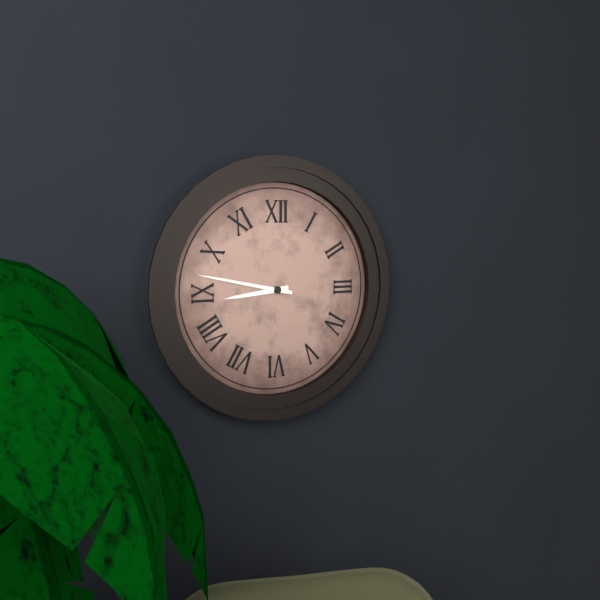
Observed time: 8h47
